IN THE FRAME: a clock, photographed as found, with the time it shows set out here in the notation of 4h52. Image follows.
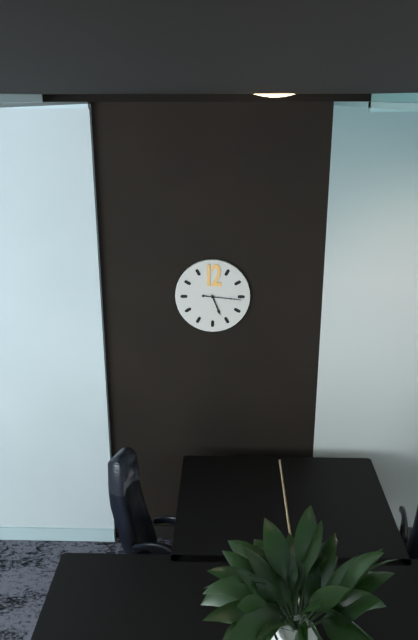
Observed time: 5h16
